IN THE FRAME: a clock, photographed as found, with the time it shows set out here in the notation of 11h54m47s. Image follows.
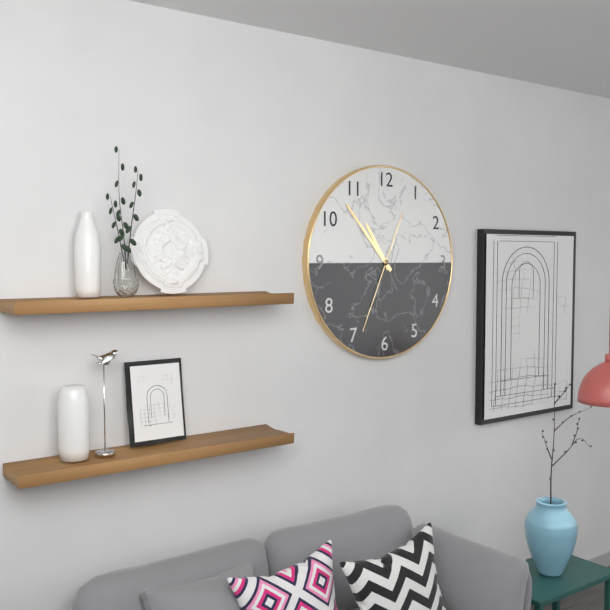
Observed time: 10h53m34s
